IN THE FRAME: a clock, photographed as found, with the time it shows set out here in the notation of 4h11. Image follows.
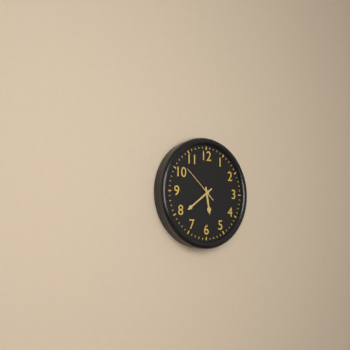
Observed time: 5h39
